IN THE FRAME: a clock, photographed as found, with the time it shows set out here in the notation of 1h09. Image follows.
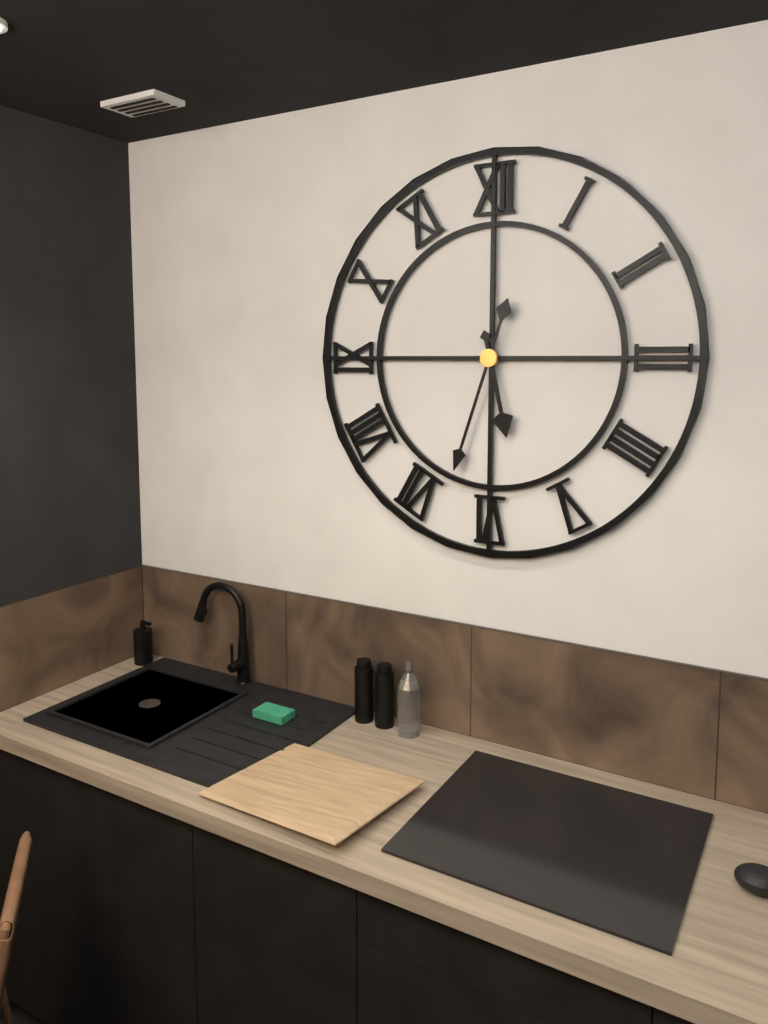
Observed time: 5h33
